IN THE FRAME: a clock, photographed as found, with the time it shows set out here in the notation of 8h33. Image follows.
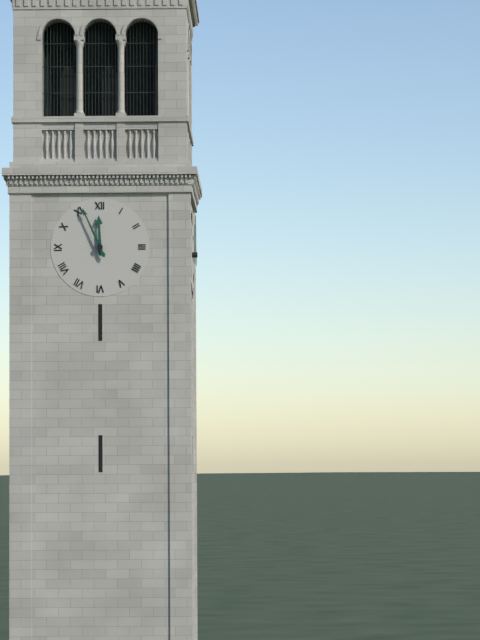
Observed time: 11h56
